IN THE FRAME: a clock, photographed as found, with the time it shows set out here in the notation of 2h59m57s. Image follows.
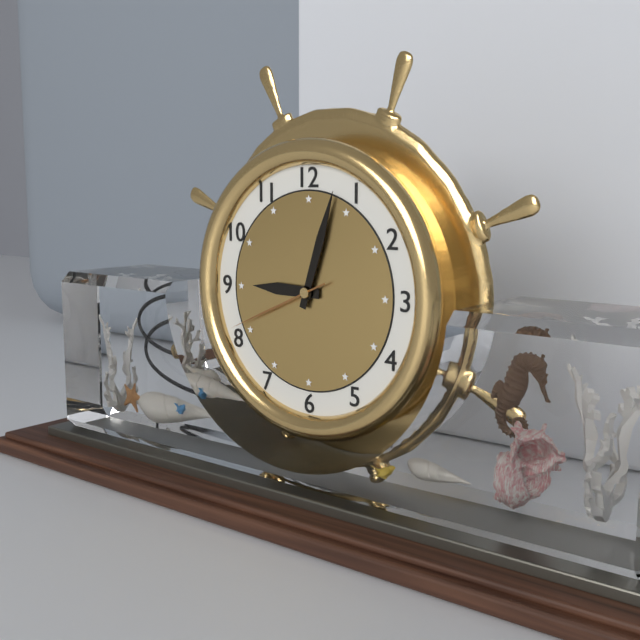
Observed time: 9h03m41s
